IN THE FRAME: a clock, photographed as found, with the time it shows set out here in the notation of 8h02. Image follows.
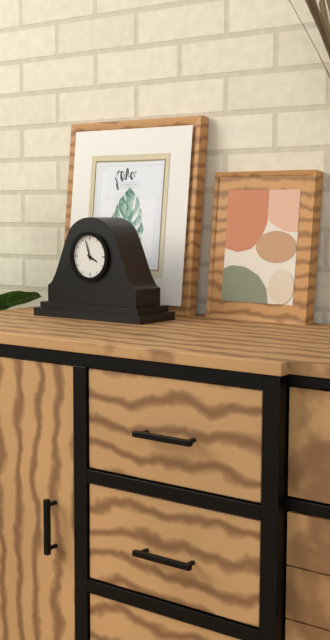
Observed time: 3h57
